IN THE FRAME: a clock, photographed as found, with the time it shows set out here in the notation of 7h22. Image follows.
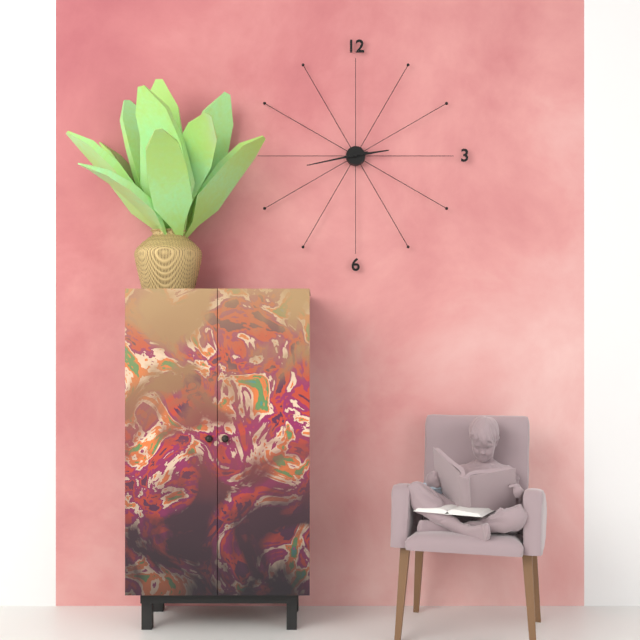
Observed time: 2h43
